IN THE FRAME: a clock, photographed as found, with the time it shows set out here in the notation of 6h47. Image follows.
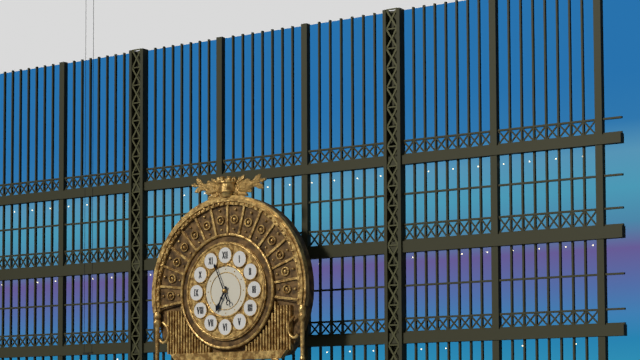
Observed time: 6h56
